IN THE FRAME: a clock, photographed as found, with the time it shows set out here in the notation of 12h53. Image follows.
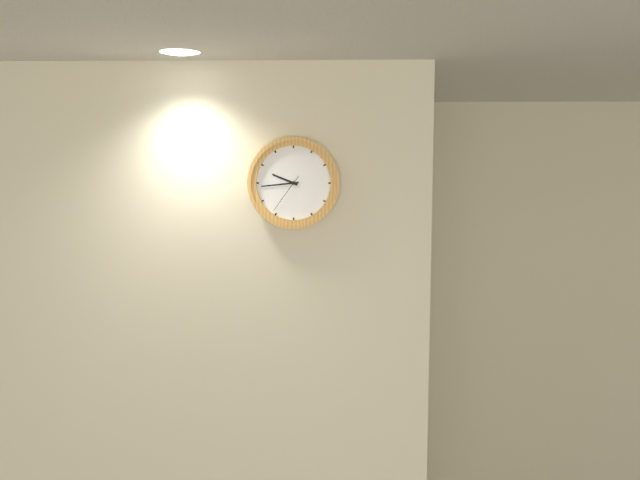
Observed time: 9h44
